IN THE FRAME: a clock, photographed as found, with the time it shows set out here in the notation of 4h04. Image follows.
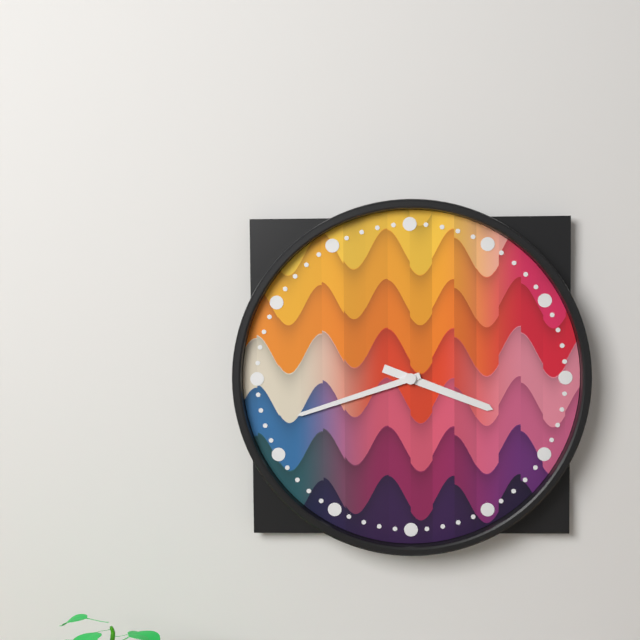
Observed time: 3h42
